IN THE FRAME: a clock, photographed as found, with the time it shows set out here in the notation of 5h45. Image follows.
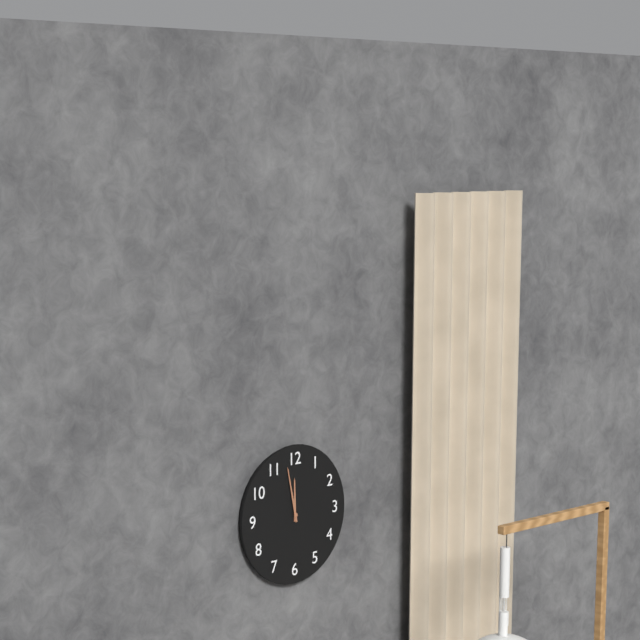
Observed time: 11h58
